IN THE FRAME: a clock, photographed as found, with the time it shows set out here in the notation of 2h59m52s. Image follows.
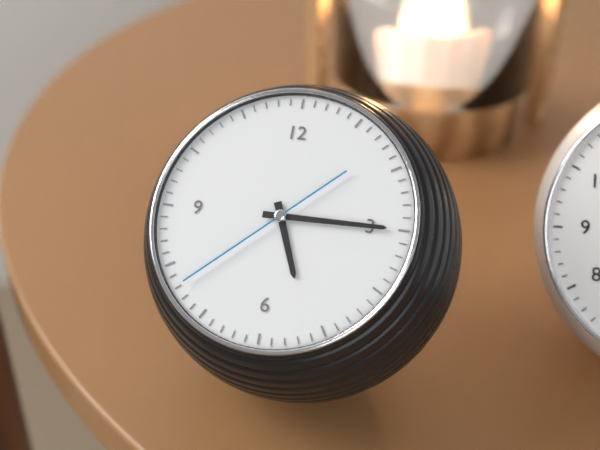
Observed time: 5h15m38s
